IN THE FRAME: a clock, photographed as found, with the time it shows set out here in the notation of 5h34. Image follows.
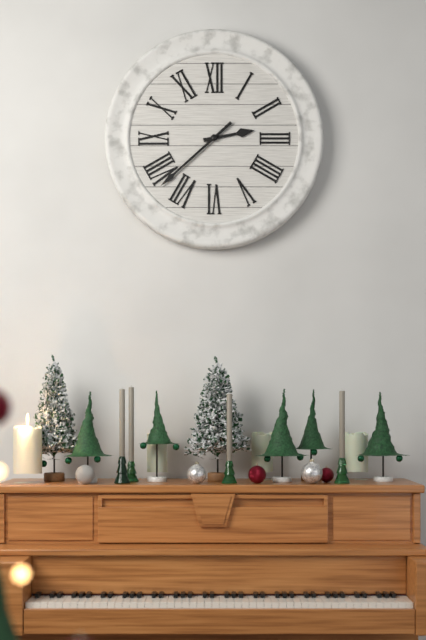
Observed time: 2h38
